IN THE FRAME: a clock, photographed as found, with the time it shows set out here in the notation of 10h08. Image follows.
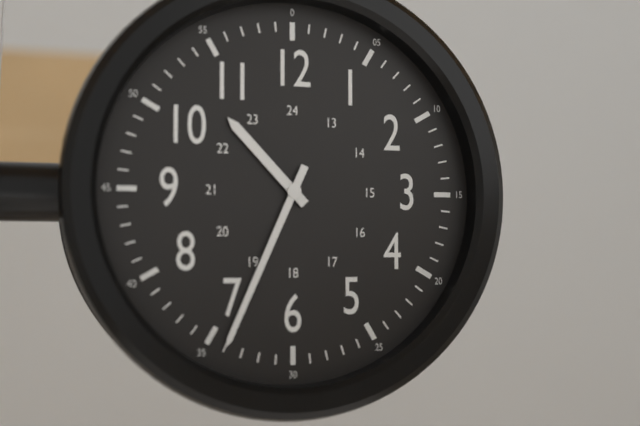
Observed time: 10h34
